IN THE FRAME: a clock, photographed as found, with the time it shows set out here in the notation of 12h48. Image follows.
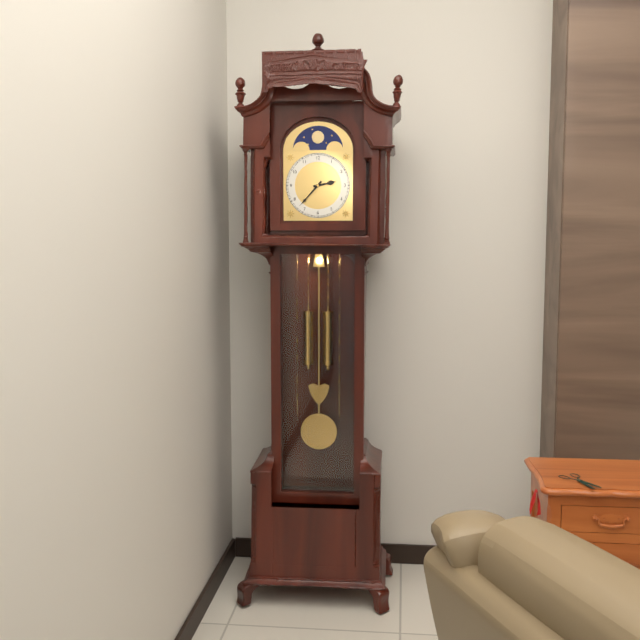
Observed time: 2h37
